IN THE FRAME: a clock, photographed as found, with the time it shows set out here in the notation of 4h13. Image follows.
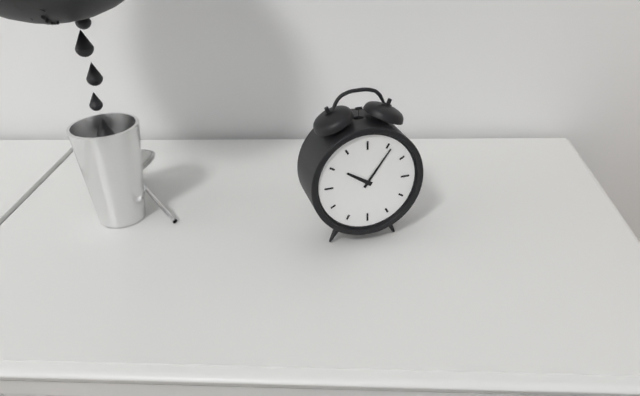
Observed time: 10h06
